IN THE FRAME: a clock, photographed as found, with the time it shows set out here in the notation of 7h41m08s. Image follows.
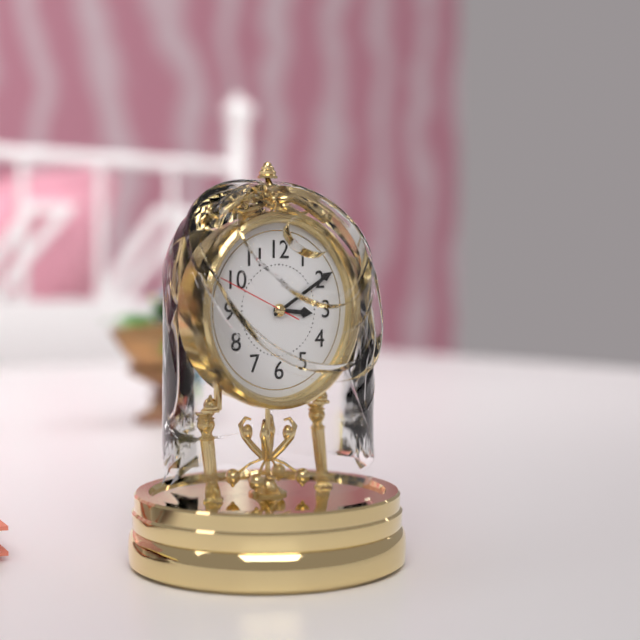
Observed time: 3h10m49s
